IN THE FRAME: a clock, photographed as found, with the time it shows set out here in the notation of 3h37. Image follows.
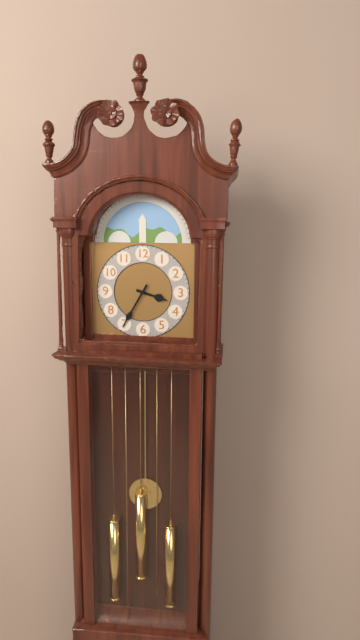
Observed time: 3h35
